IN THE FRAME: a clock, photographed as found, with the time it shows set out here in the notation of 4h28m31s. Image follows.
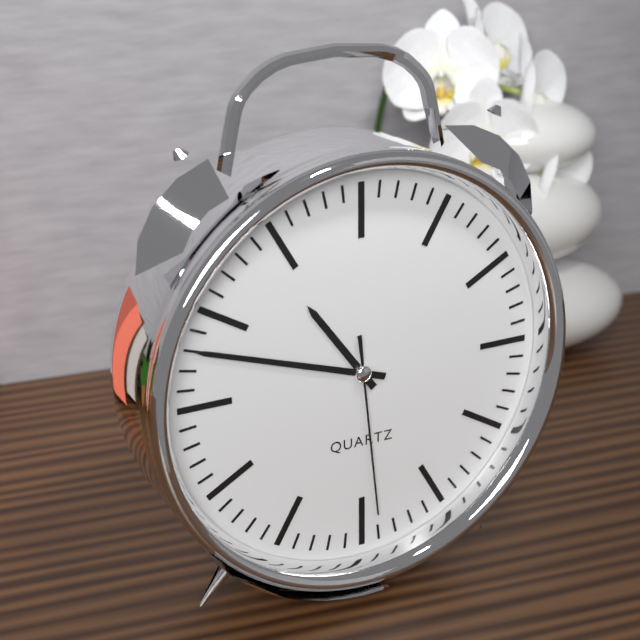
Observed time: 10h48m29s
